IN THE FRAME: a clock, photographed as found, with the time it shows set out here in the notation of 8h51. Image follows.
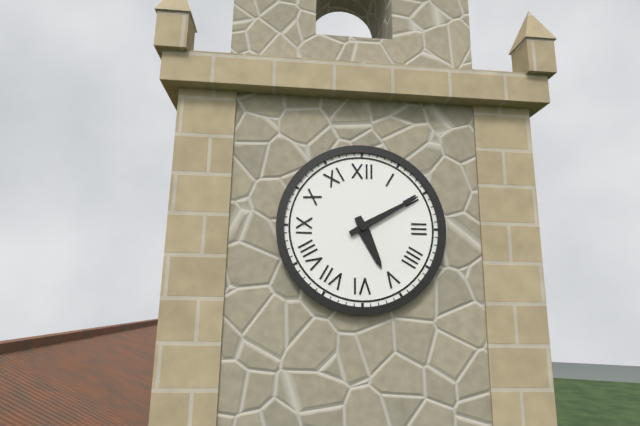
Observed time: 5h10
